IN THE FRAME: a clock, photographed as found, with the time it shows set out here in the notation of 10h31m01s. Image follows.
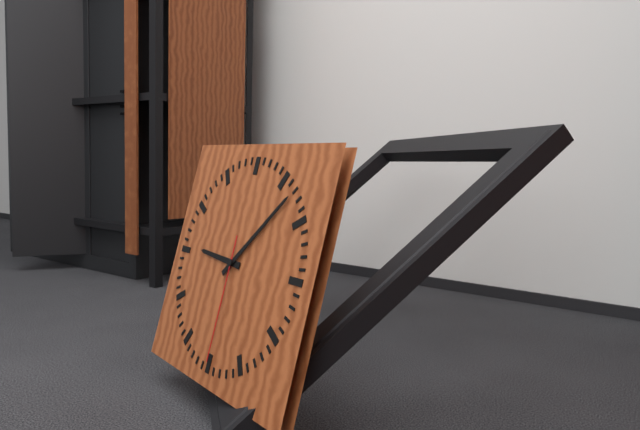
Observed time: 9h07m30s
